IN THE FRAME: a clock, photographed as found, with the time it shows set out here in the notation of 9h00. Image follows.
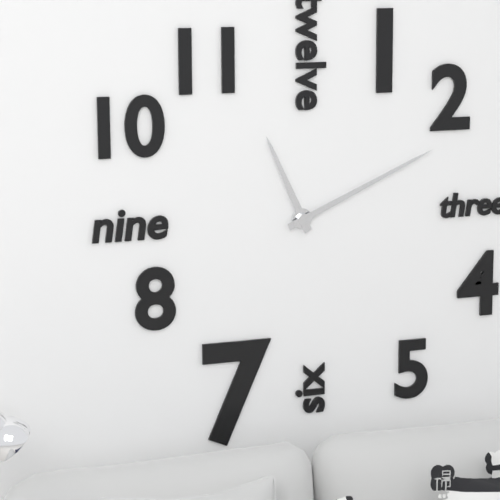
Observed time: 11h11
